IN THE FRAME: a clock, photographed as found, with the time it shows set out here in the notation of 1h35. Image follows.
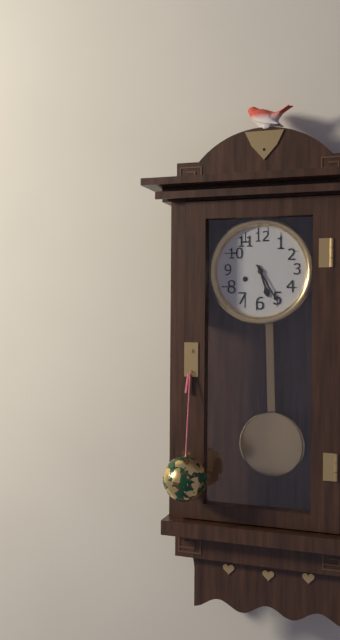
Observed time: 5h25
